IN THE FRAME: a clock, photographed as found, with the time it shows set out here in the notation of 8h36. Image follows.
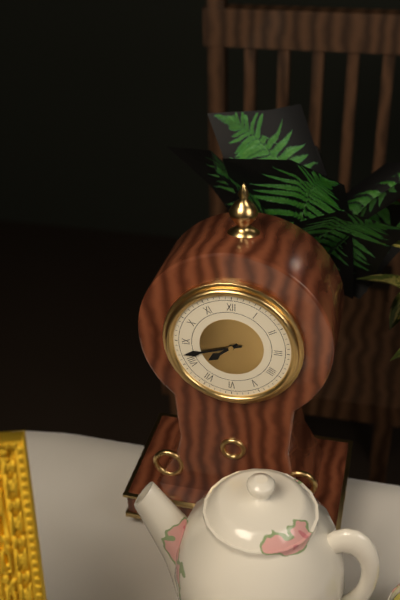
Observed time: 7h42
